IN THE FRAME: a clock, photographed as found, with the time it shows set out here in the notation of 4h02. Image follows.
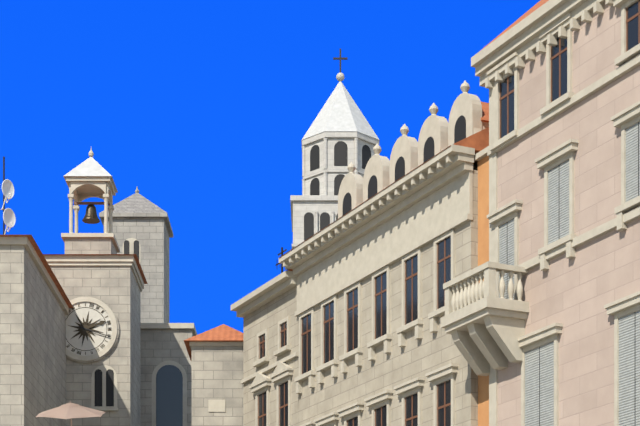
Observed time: 2h18
